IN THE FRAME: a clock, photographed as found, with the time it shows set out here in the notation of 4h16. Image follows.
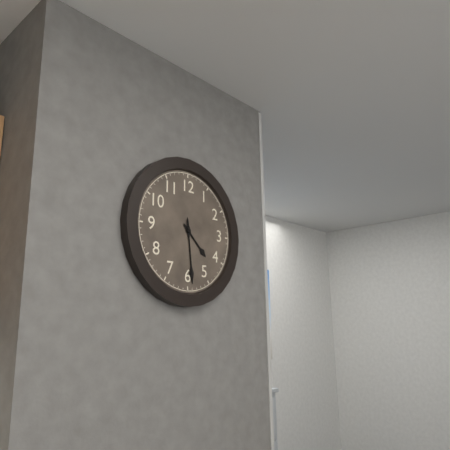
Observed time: 4h29
